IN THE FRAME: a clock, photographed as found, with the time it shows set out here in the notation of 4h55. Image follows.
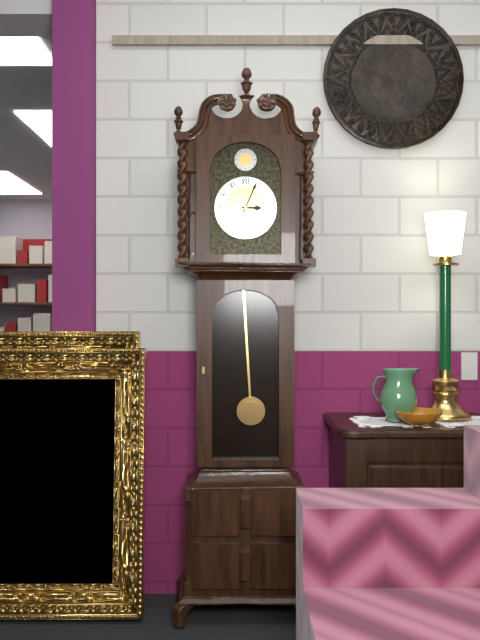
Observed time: 3h04
